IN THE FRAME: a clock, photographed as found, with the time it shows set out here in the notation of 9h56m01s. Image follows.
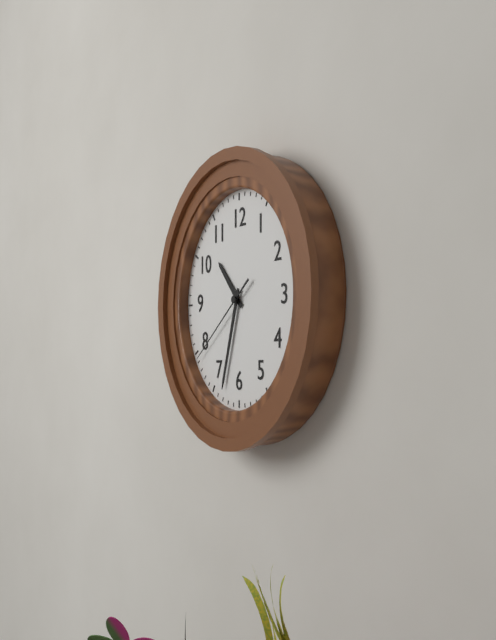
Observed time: 10h33m39s
